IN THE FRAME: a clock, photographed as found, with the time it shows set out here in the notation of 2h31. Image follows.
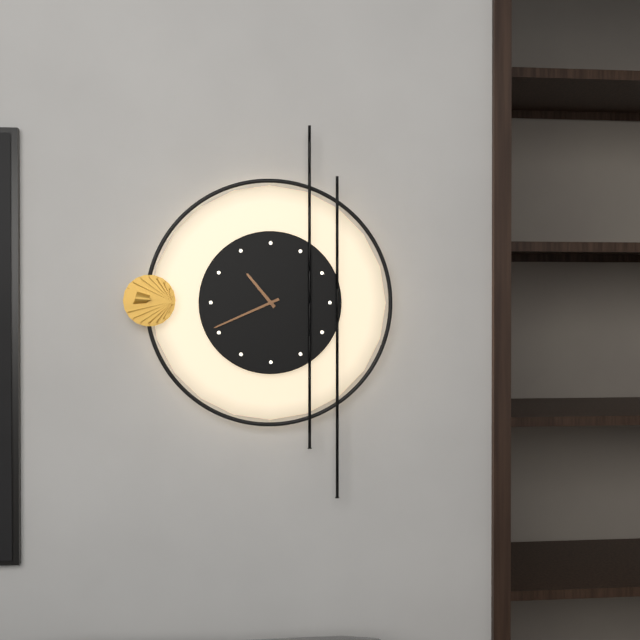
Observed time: 10h41
